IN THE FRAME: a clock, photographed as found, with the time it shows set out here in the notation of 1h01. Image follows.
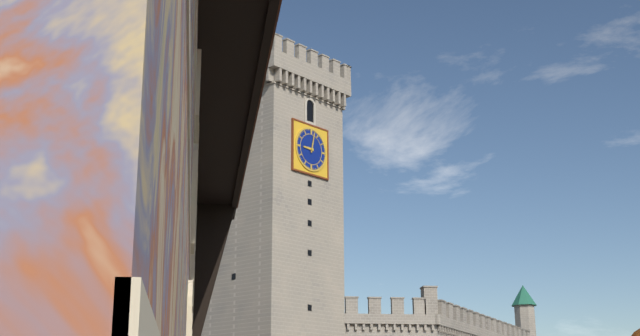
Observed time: 9h02
